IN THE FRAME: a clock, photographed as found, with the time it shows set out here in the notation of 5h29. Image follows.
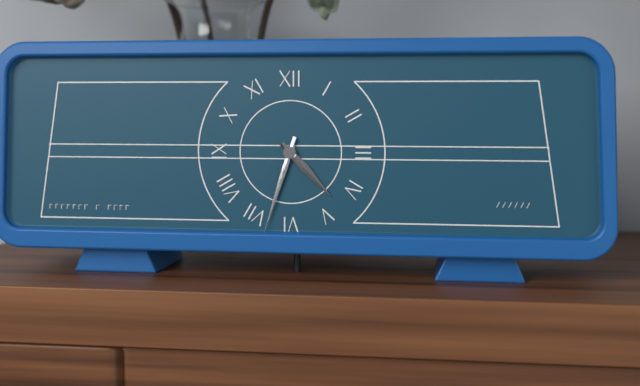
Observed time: 4h33
